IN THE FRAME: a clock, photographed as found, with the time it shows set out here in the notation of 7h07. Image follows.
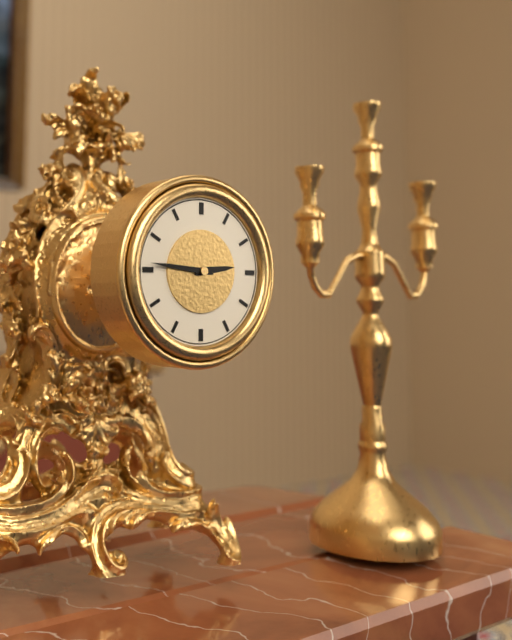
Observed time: 2h46
